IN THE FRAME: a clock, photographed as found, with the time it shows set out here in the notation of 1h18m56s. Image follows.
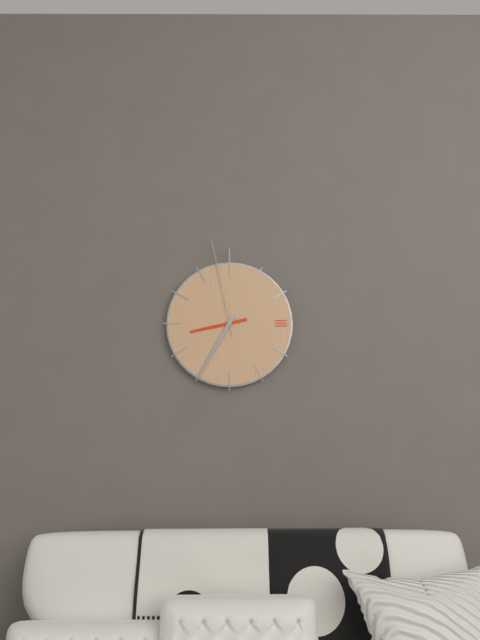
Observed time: 8h35m58s
